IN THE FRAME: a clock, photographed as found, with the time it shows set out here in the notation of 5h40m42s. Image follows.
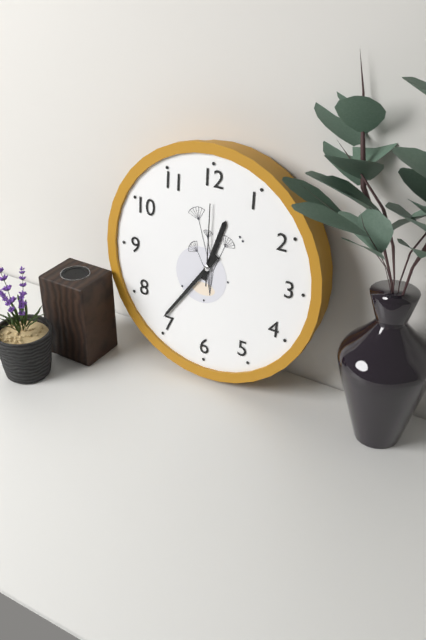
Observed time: 12h36m00s
